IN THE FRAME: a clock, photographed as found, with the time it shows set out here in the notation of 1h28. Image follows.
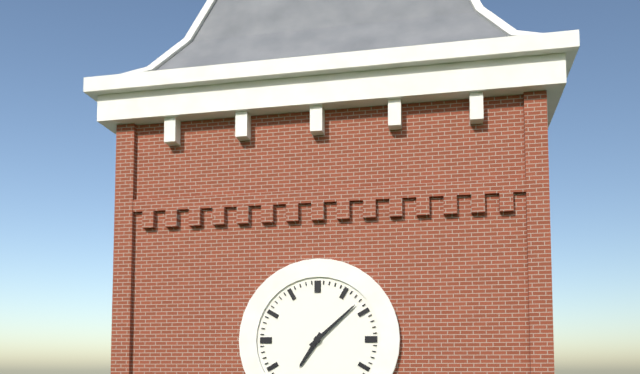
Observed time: 7h08
